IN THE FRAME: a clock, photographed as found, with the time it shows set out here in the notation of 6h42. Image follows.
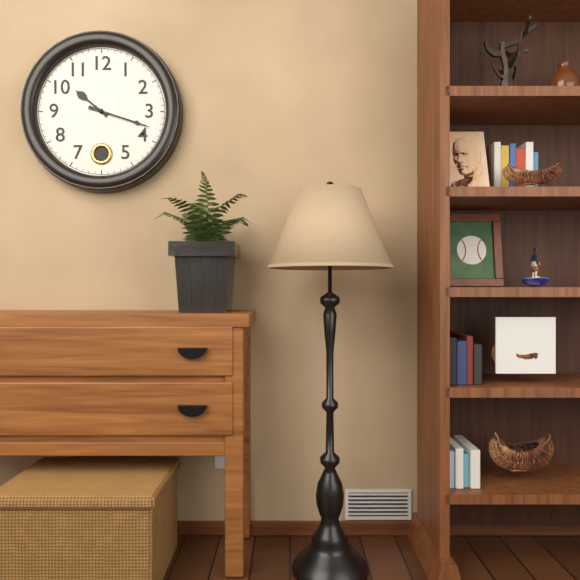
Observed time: 10h18
